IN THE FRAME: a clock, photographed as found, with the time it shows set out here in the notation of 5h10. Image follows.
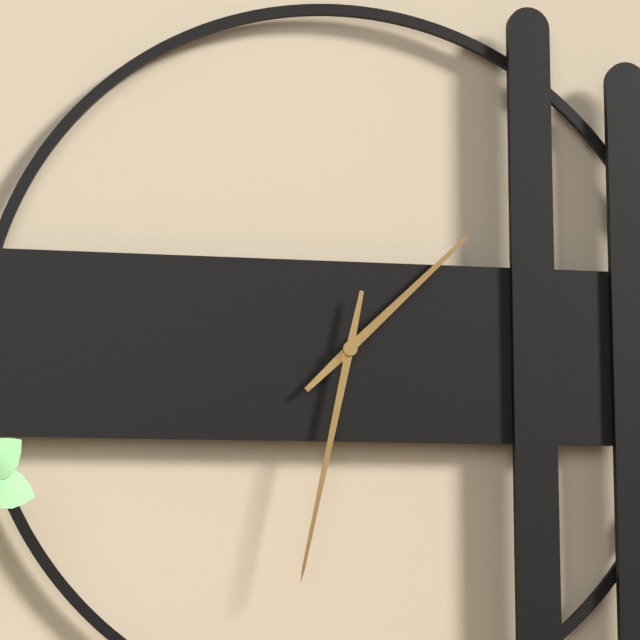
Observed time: 1h32
